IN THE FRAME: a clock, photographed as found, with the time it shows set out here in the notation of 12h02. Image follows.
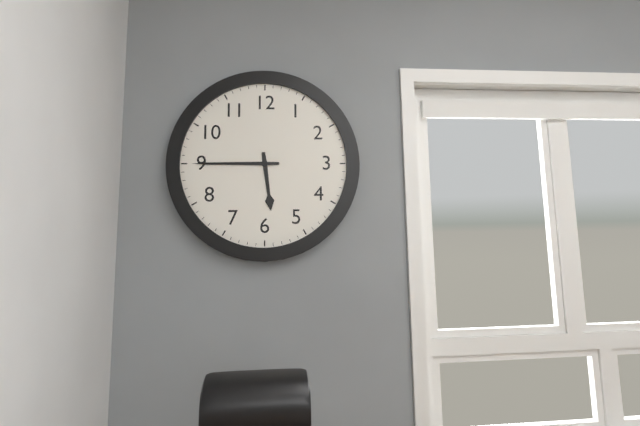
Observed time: 5h45
